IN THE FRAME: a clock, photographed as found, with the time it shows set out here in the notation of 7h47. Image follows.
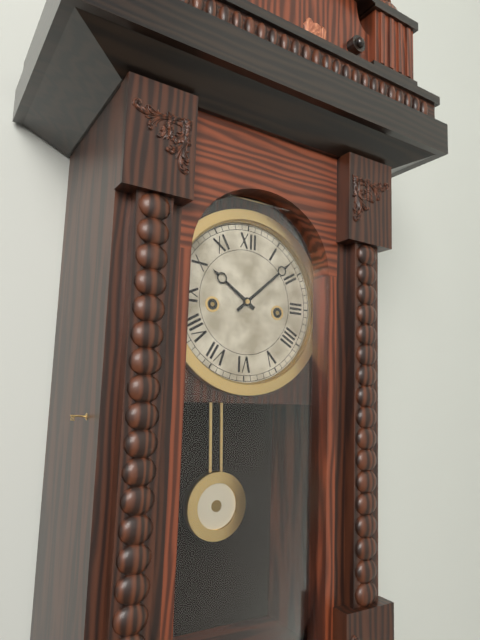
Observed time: 10h08
